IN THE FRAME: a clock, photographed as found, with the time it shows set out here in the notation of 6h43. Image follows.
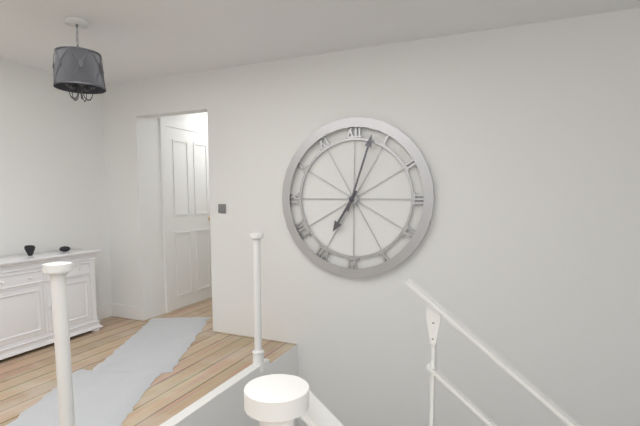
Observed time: 7h03
